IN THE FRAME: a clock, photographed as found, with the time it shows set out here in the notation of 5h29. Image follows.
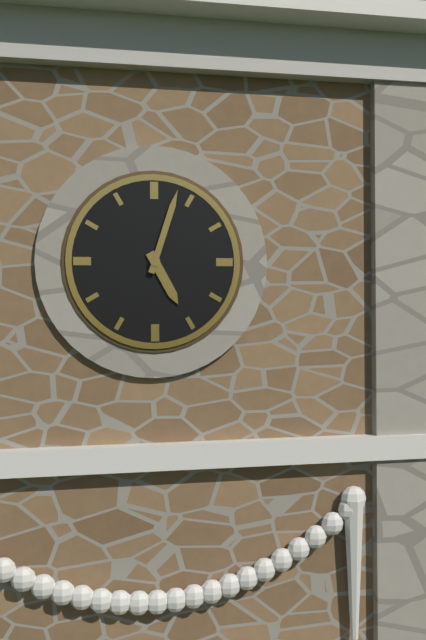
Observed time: 5h03
